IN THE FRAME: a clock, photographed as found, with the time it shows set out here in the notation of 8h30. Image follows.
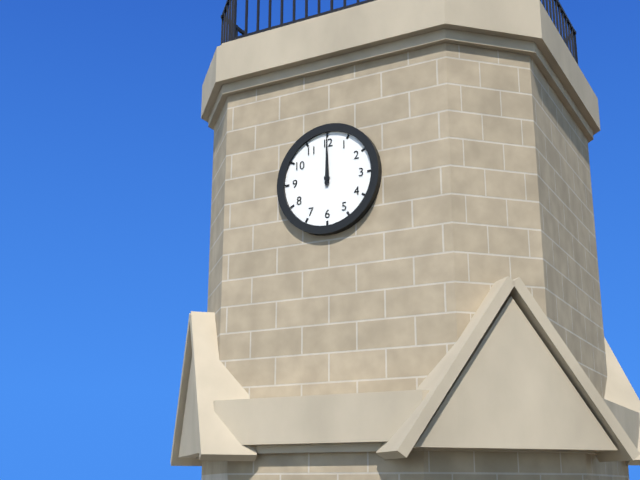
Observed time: 12h00
